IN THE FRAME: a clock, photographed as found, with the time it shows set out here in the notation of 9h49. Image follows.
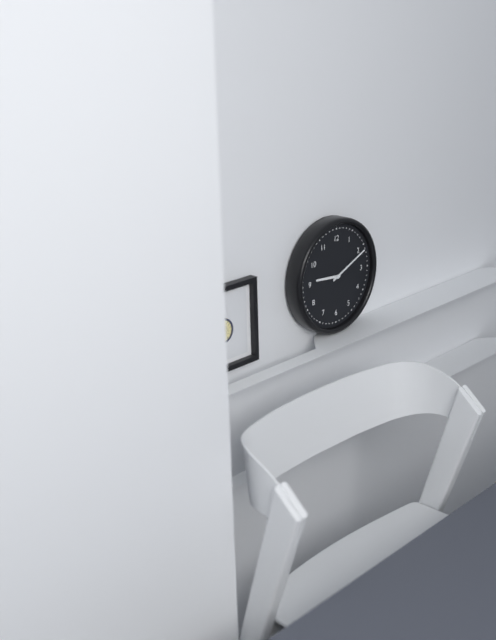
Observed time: 9h11
